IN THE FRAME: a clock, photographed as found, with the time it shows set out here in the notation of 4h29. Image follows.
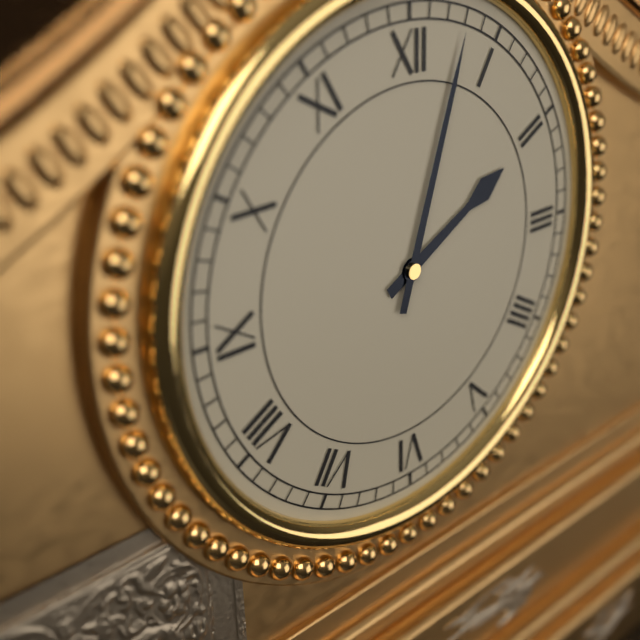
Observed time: 2h03
